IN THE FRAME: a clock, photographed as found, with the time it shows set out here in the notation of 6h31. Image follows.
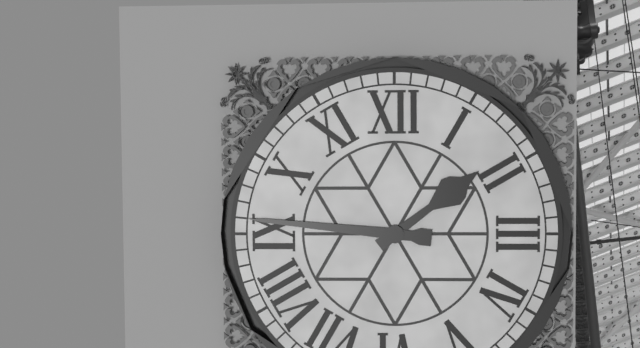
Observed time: 1h46
